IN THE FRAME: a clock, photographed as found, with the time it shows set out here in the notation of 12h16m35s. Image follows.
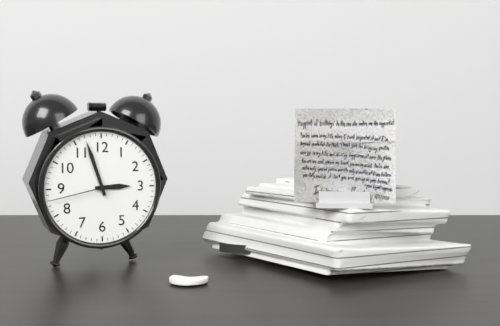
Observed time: 2h57m43s
